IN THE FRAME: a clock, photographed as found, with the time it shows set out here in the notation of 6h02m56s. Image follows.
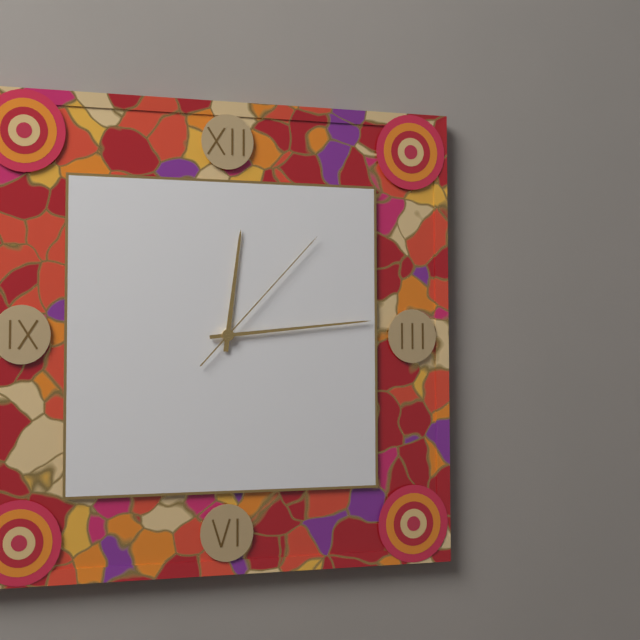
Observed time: 12h14m07s
